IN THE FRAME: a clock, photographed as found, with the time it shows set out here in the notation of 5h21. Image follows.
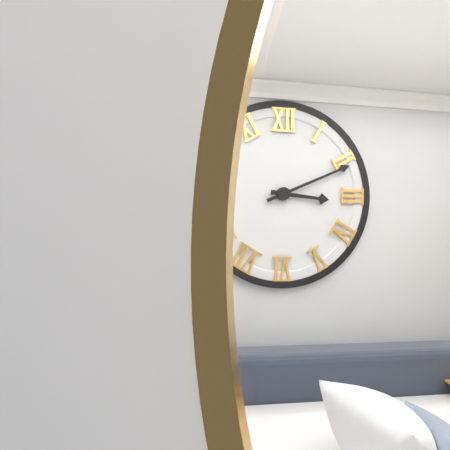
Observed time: 3h11
